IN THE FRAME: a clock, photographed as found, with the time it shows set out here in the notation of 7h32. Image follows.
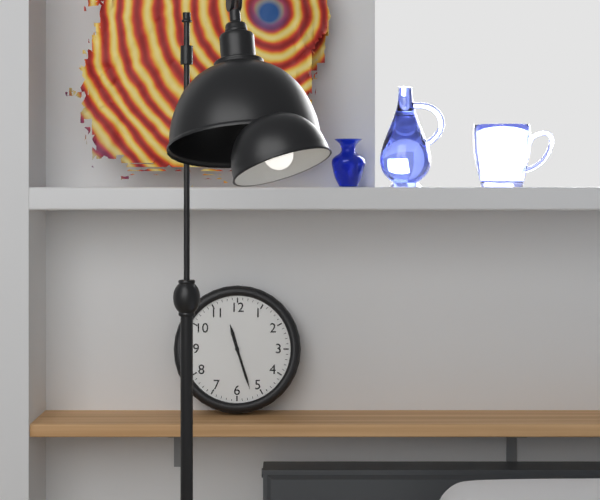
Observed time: 11h27
